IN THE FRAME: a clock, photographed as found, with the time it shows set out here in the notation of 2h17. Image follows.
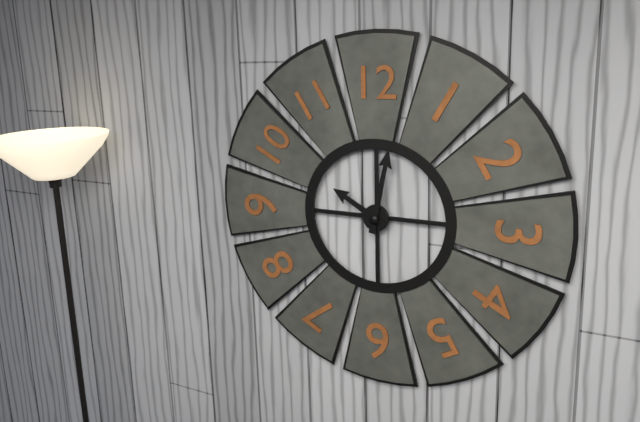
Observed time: 10h02
